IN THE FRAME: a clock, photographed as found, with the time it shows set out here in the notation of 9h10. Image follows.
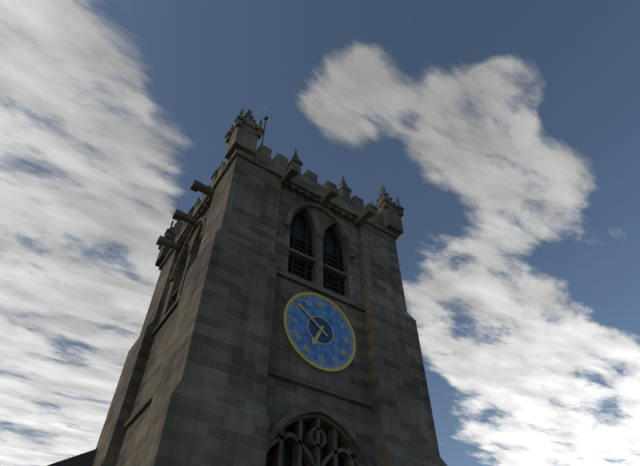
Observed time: 6h51
